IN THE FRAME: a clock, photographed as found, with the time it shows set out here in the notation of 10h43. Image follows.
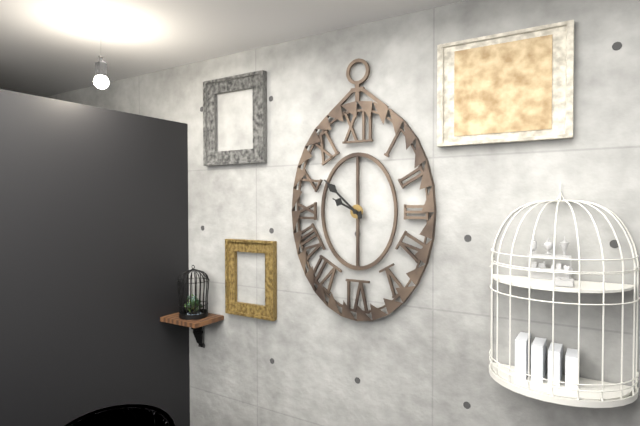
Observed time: 9h52
